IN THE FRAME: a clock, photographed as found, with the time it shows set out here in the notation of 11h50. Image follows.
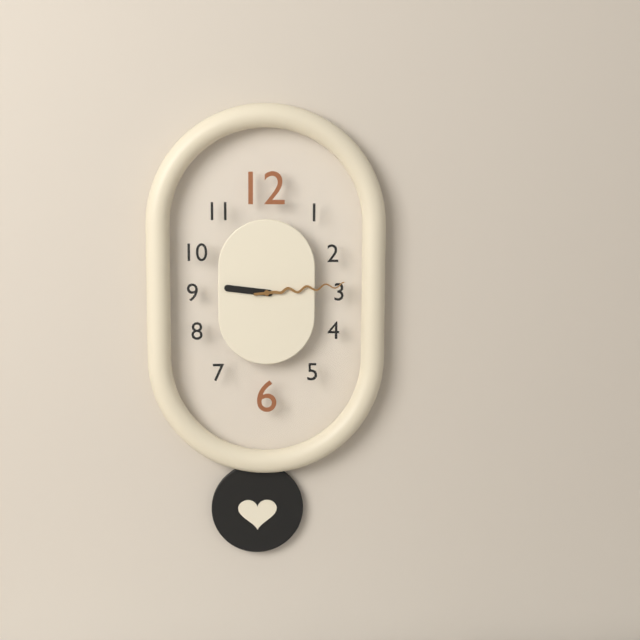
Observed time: 9h14
